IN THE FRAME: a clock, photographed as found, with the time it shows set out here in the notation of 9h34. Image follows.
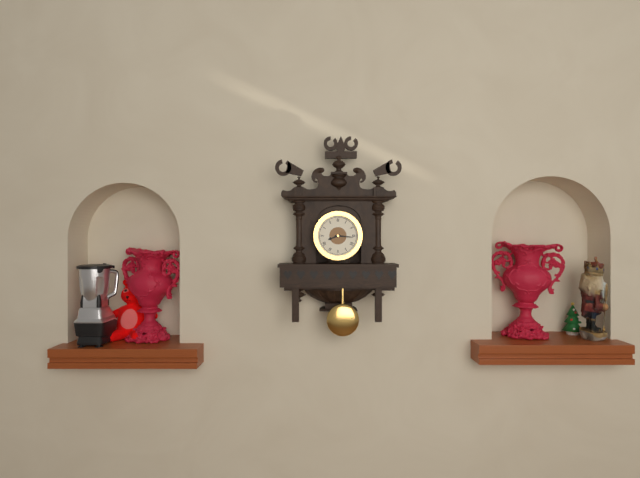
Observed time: 8h16
